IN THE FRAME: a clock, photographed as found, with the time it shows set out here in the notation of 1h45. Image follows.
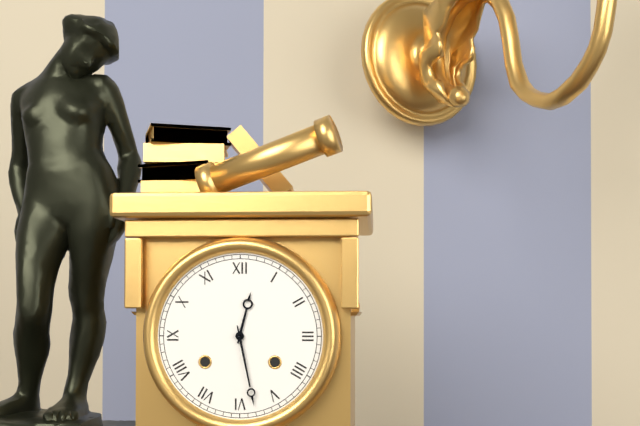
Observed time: 12h28
